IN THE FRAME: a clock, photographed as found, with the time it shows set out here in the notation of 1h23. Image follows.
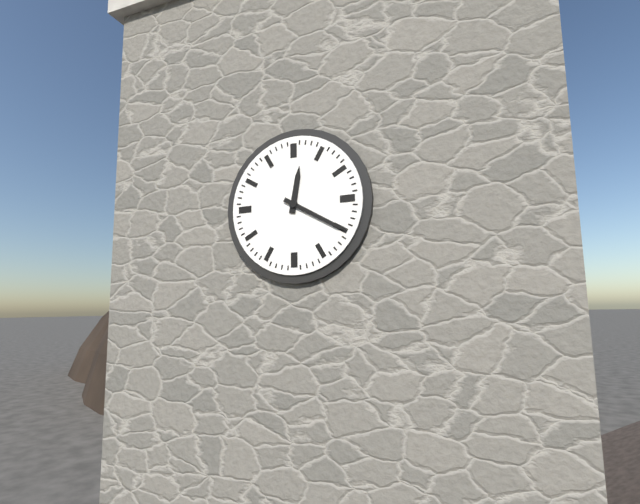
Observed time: 12h20
